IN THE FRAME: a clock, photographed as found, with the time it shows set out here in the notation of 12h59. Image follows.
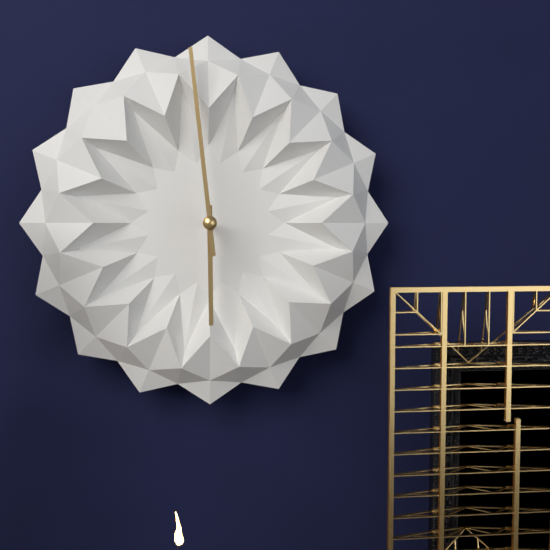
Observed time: 5h59
